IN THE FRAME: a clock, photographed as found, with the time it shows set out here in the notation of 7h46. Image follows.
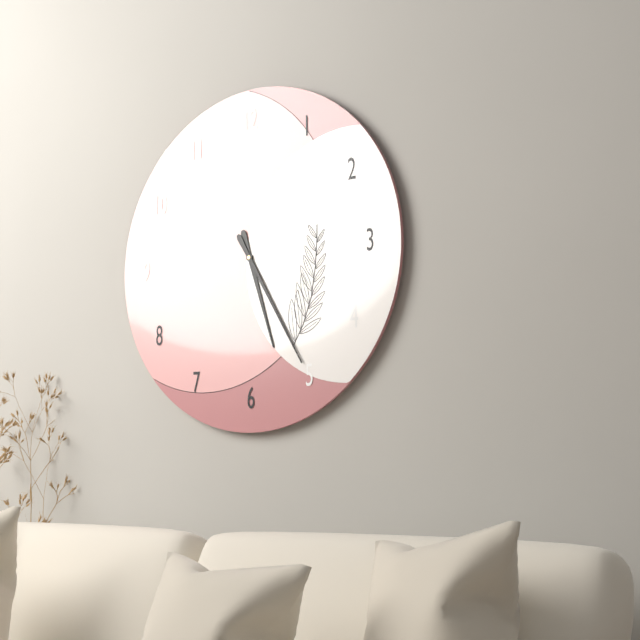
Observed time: 5h25
